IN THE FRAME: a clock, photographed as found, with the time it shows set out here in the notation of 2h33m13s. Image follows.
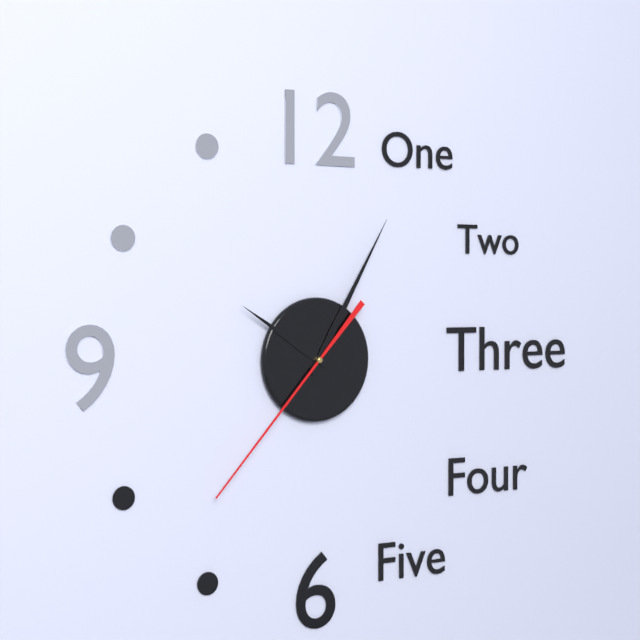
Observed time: 10h05m37s
